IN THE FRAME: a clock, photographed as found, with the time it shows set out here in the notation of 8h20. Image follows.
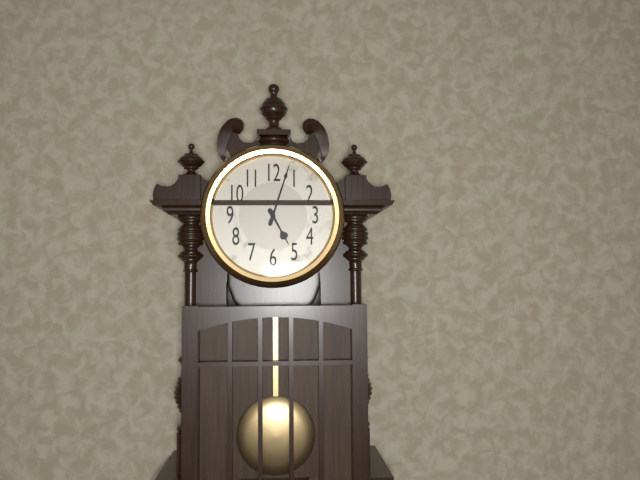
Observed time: 5h03
